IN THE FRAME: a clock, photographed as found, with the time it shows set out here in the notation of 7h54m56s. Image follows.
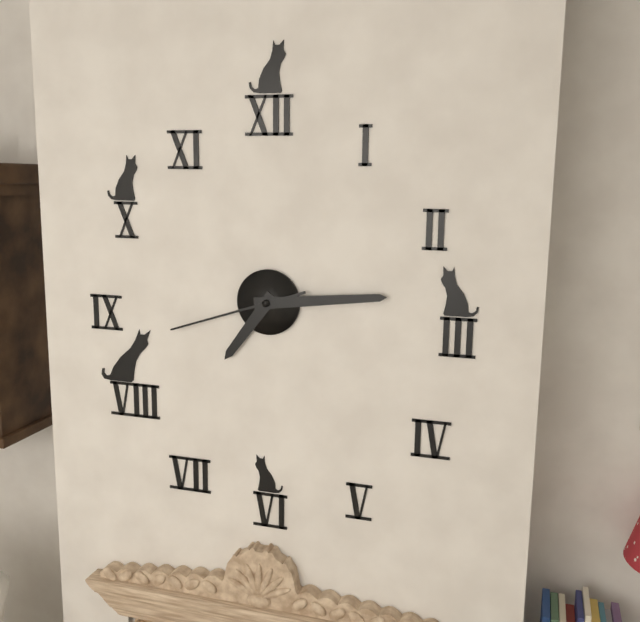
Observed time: 7h14m42s
